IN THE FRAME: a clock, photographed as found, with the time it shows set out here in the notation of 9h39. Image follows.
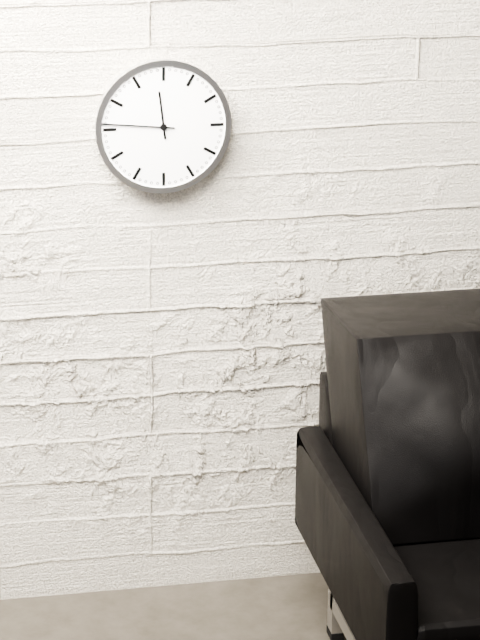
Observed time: 11h46
